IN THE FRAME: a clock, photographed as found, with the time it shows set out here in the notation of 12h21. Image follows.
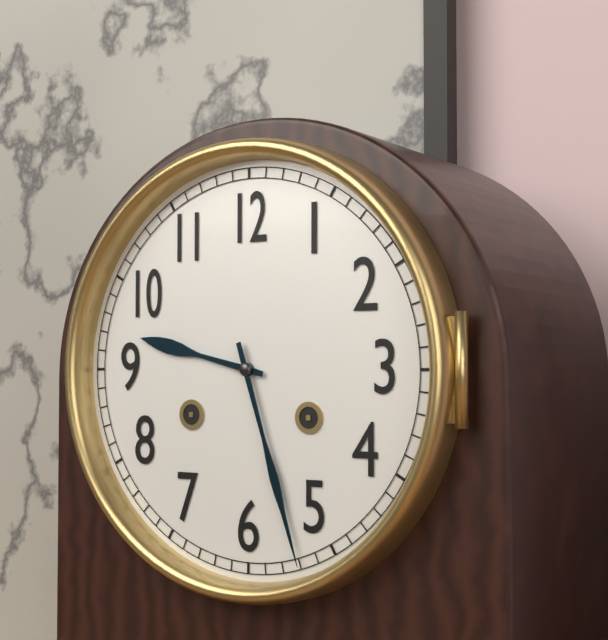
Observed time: 9h27
